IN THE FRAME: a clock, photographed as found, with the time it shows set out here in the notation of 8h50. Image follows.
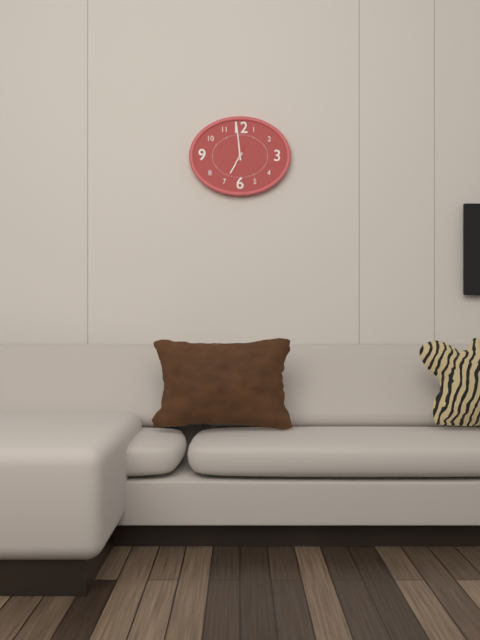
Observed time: 6h59
